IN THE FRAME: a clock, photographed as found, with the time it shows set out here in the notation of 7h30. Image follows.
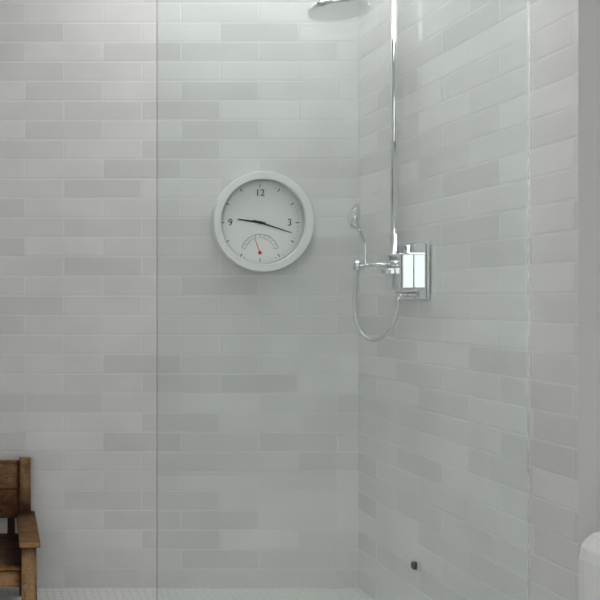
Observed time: 9h18
